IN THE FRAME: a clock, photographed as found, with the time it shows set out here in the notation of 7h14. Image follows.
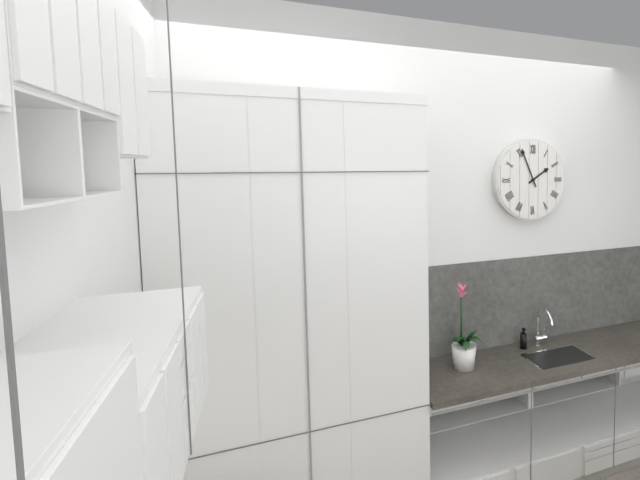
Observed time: 1h56
